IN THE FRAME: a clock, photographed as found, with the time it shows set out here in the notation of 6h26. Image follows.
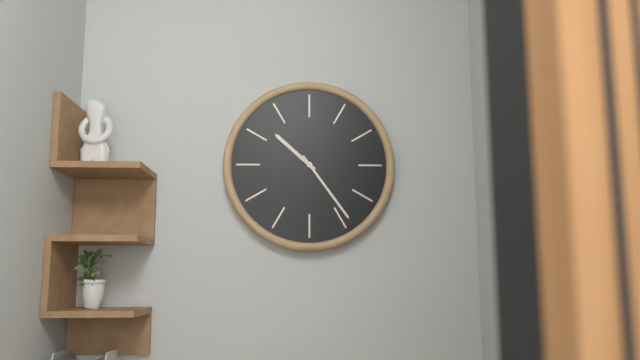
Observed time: 10h24
